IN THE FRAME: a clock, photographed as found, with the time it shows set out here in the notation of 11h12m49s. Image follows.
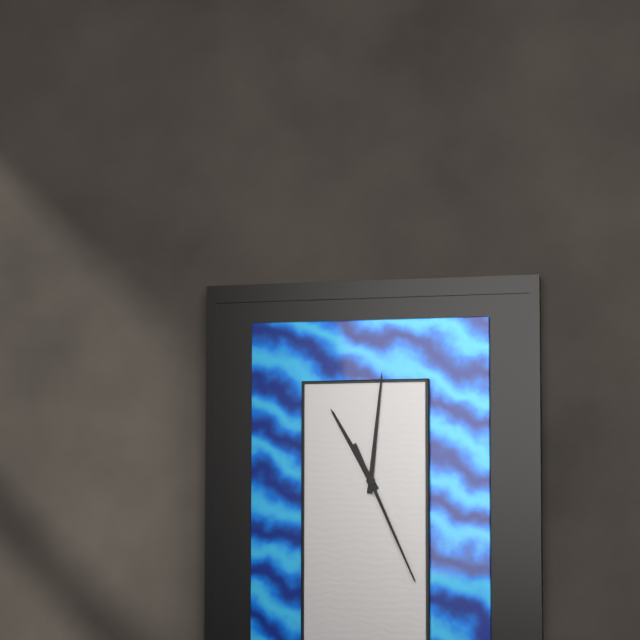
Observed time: 11h01m26s
